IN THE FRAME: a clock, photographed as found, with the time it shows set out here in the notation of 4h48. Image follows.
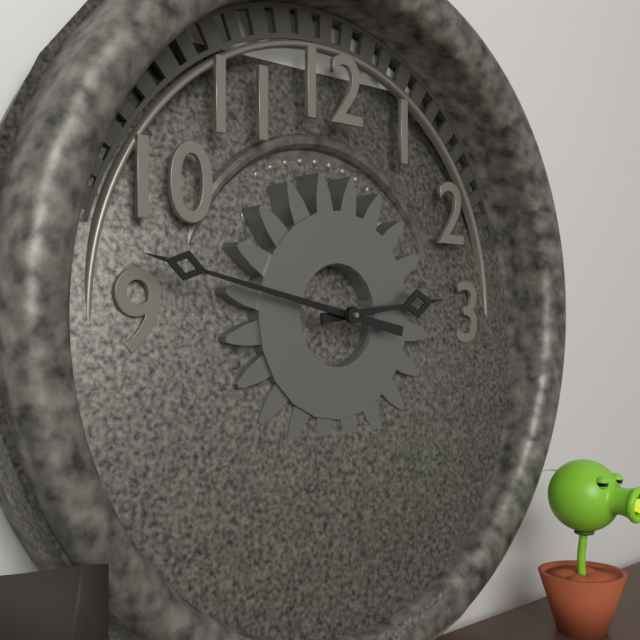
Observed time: 2h47
